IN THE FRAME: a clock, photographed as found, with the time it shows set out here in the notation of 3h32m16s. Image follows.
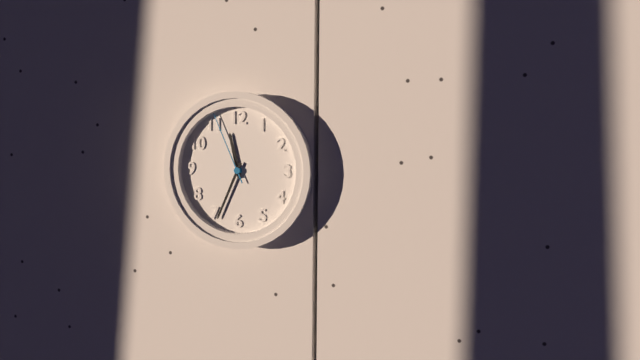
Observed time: 11h34m56s
